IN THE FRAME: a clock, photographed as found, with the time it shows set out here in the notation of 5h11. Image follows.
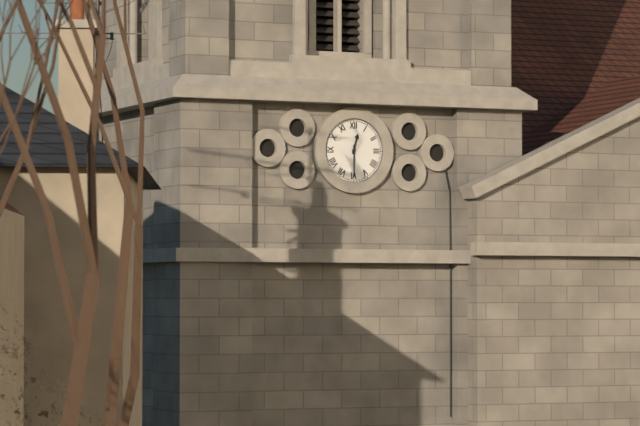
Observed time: 12h30
